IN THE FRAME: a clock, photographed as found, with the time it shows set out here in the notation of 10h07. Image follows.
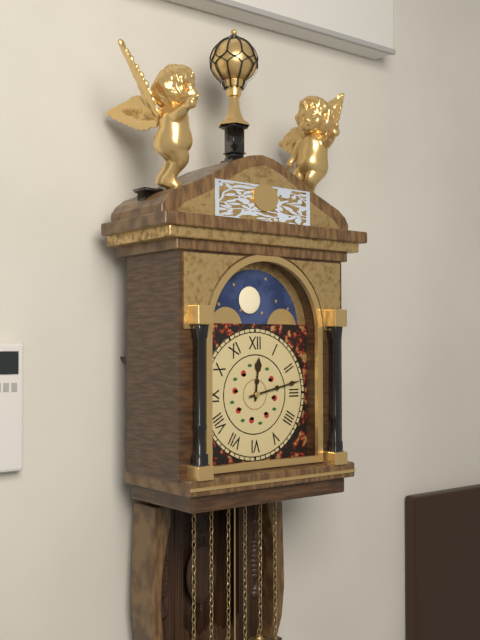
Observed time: 12h13
